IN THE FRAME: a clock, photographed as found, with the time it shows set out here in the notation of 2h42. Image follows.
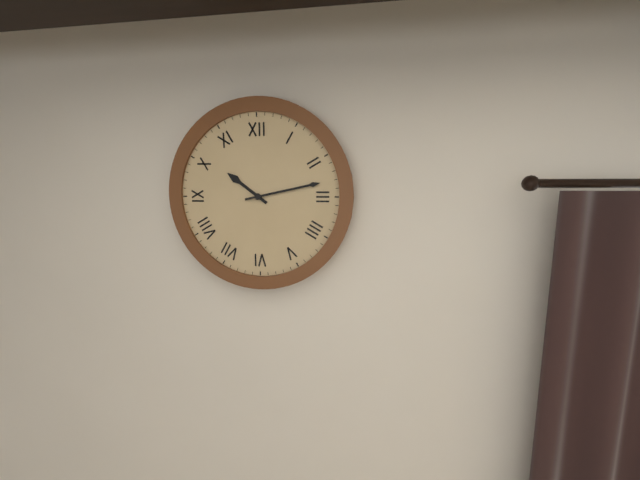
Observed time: 10h13
